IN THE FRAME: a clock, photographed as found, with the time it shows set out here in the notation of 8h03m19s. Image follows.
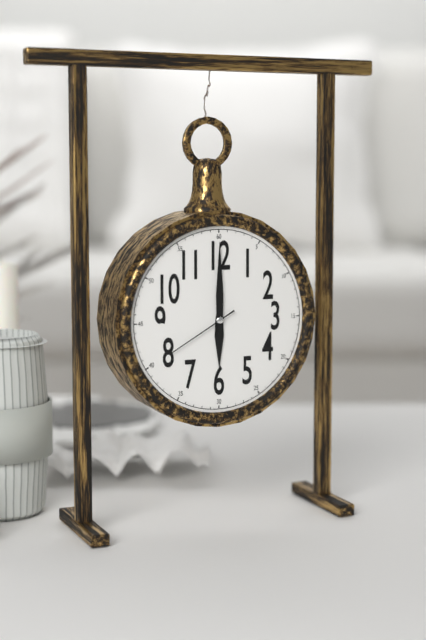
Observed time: 6h00m40s
